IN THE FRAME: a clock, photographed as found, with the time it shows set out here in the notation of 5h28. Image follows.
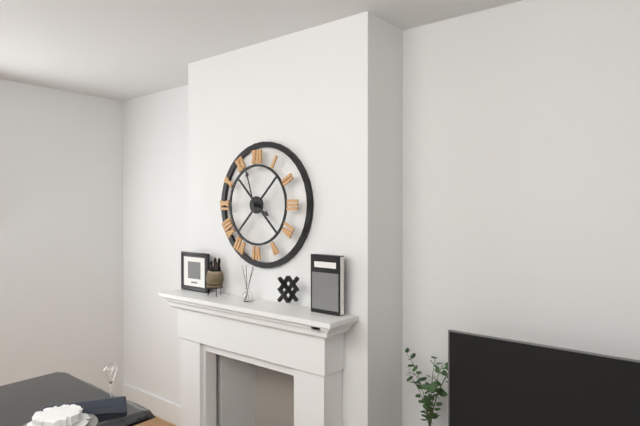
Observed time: 3h57
